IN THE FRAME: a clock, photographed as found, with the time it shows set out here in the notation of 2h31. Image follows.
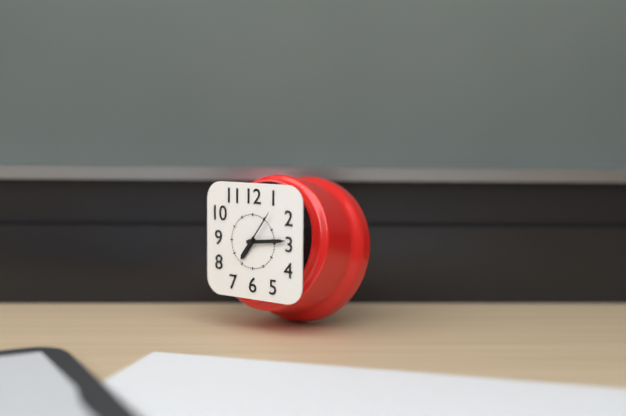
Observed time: 7h14
